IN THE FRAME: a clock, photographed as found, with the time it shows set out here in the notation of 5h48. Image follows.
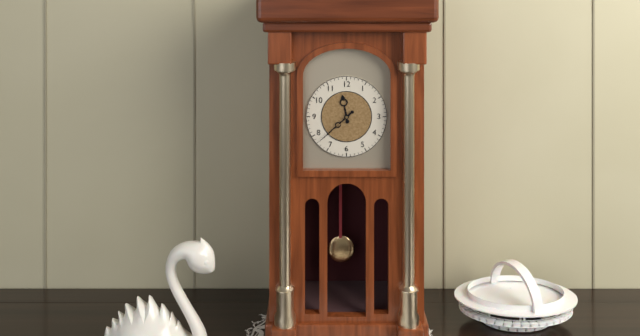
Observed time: 11h38
